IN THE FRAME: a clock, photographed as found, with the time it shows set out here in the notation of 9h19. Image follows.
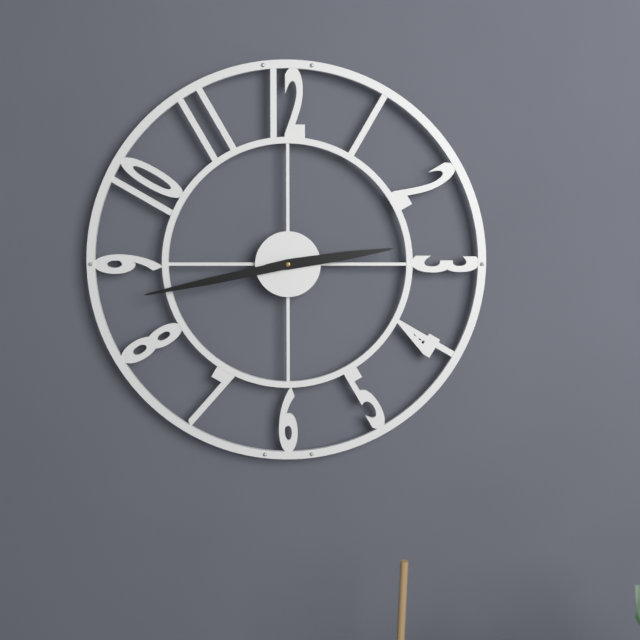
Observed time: 2h43
